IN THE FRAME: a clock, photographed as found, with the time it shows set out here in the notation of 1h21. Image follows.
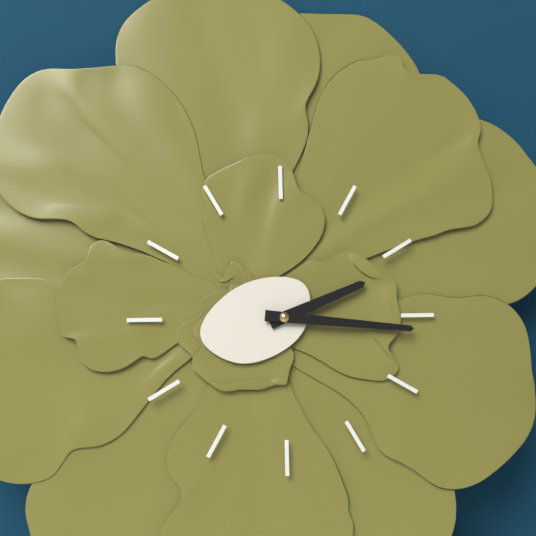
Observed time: 2h16
